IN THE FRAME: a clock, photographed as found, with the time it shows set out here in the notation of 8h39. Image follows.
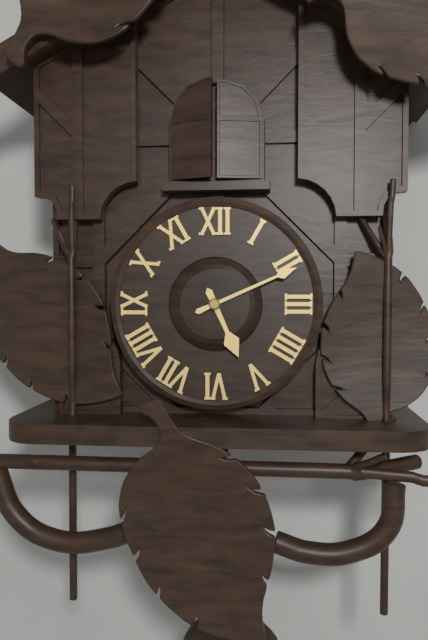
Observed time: 5h11
